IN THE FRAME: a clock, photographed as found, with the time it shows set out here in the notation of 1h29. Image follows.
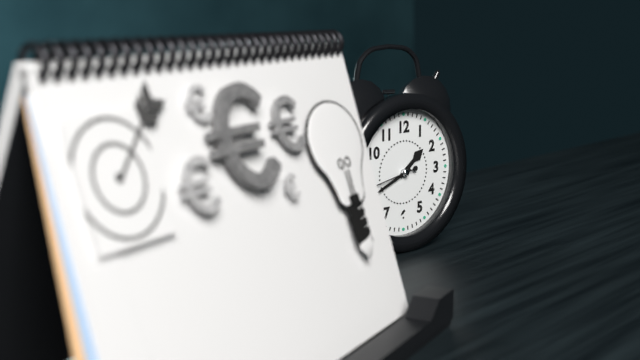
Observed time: 1h41
